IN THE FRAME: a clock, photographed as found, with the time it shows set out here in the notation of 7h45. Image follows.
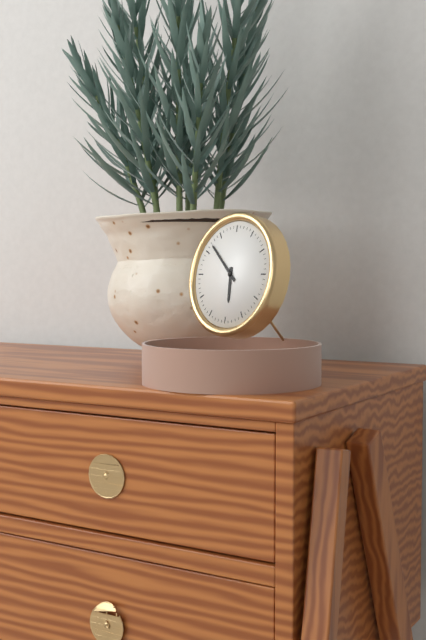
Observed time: 5h52
